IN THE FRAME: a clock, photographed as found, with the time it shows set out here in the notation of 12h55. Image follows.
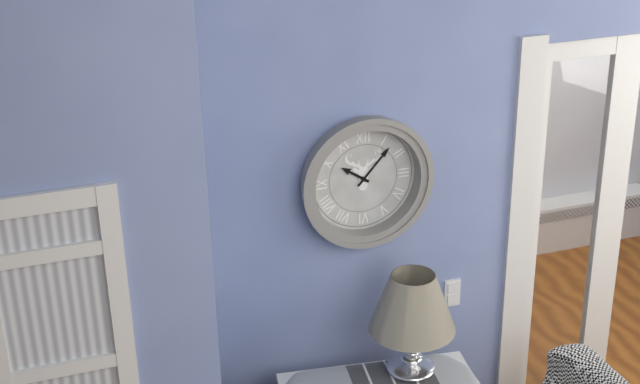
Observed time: 10h07
